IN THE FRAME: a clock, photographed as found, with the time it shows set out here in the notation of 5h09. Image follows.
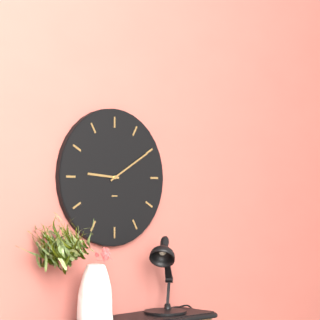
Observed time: 9h10
